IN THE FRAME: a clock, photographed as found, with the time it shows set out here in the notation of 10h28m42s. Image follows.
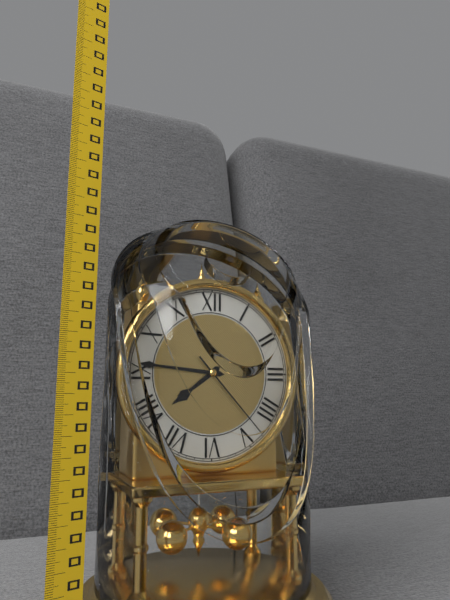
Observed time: 7h46m23s
